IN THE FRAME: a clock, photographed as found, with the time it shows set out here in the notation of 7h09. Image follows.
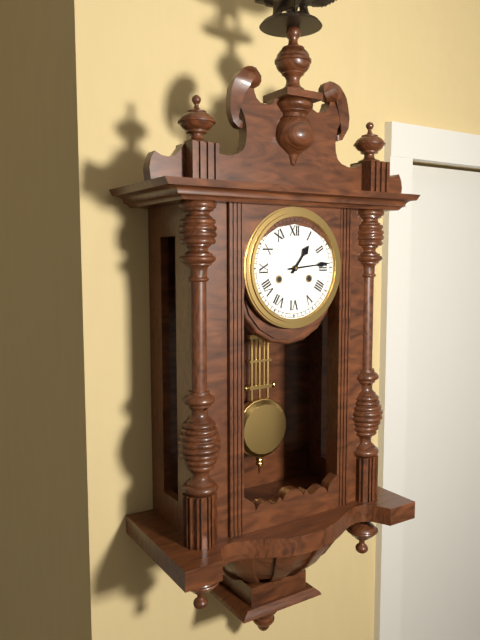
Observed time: 1h14
